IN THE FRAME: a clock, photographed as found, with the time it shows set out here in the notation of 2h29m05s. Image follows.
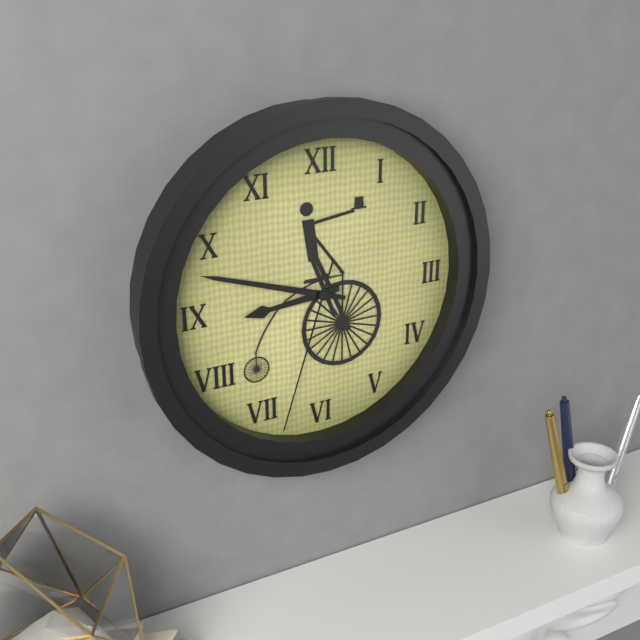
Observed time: 8h48m33s
